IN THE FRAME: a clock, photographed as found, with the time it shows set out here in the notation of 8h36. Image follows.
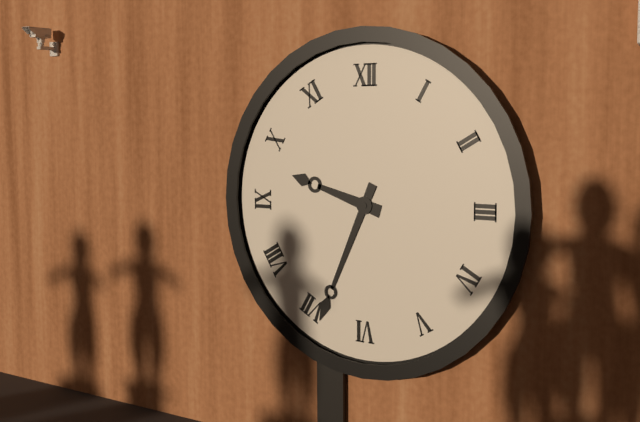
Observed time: 9h34
